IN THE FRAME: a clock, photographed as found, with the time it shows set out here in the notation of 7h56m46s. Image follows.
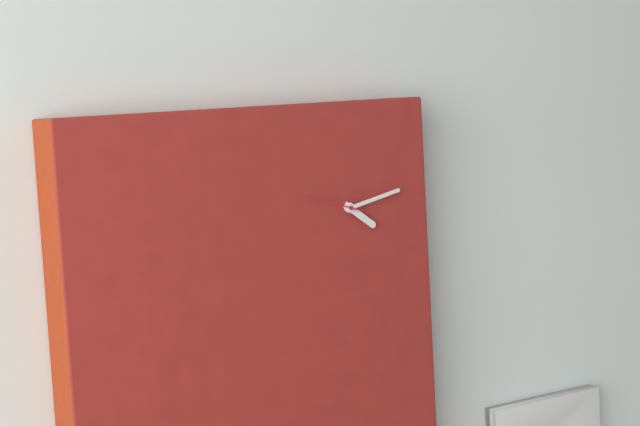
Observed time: 4h13m48s
